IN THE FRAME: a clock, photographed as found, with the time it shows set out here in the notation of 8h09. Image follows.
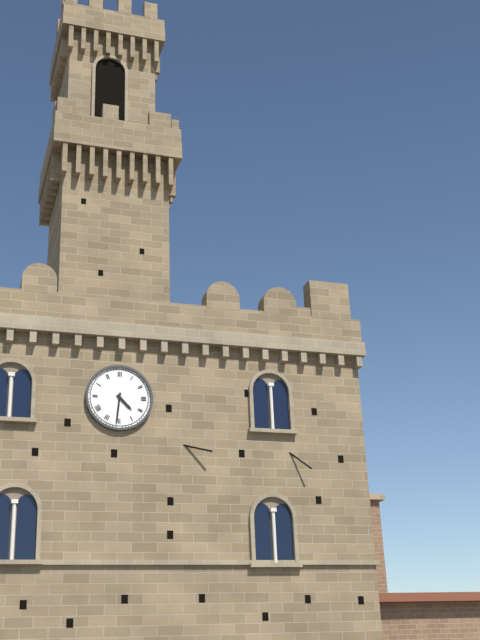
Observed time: 4h31
